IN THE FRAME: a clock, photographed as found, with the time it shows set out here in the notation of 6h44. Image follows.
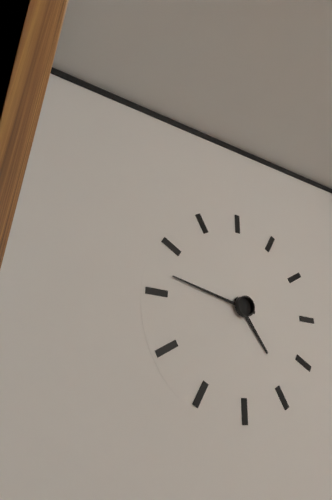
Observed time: 4h47
